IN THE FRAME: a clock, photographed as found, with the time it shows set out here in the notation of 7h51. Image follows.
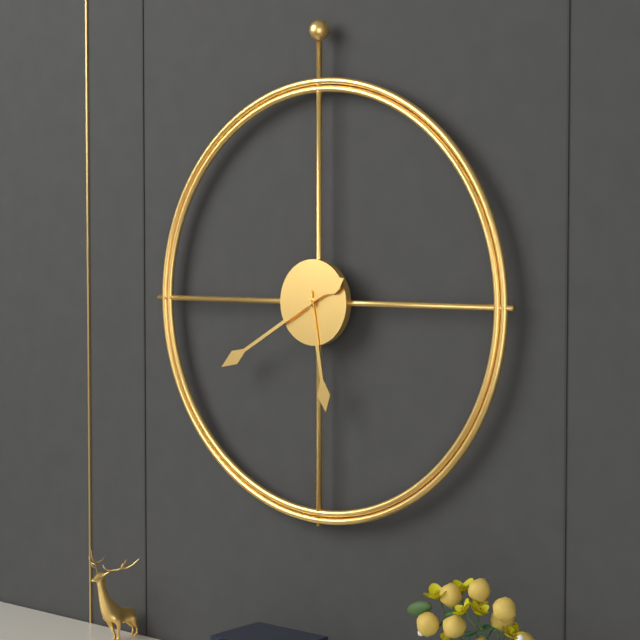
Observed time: 5h40
